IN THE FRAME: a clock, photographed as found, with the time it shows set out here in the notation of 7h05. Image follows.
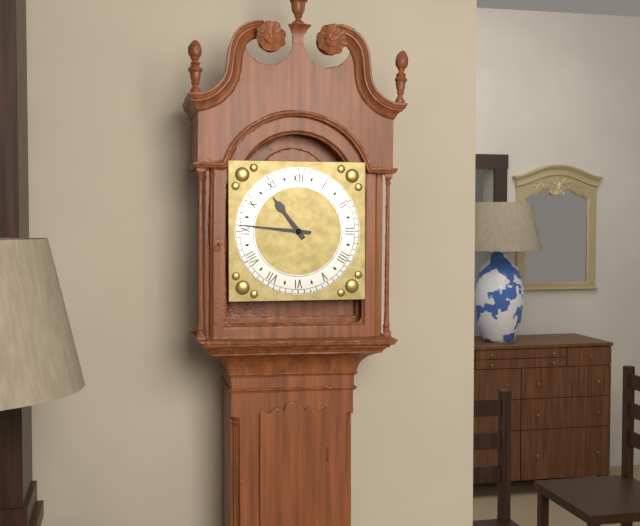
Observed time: 10h46
